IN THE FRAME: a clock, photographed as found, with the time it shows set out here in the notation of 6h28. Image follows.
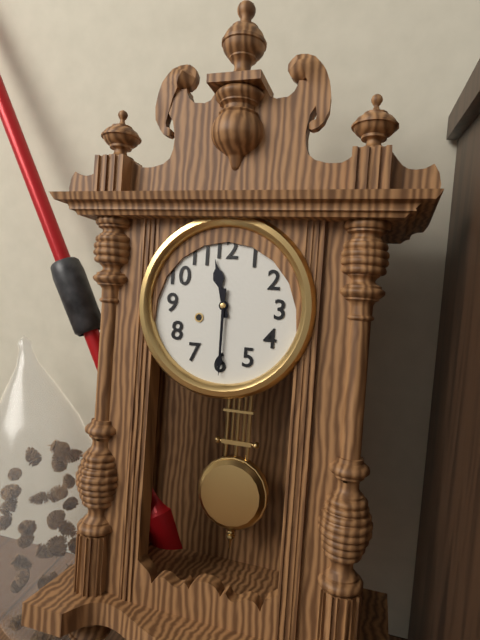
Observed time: 11h30
